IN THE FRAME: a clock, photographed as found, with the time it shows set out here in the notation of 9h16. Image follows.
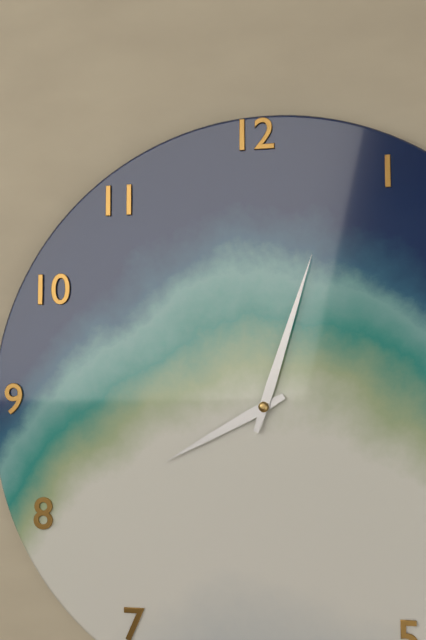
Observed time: 8h03
